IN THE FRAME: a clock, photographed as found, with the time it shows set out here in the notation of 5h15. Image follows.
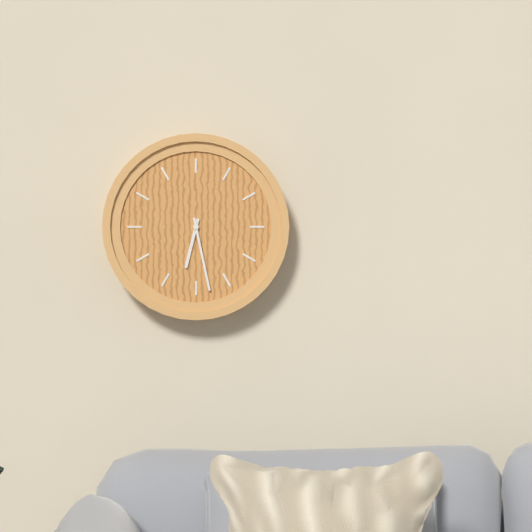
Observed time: 6h28
